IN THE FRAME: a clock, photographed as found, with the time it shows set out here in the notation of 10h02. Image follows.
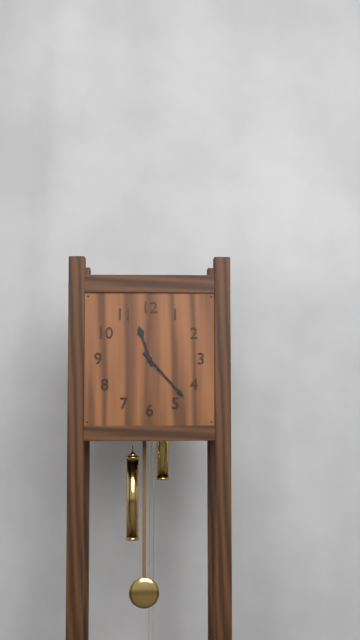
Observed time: 11h23
